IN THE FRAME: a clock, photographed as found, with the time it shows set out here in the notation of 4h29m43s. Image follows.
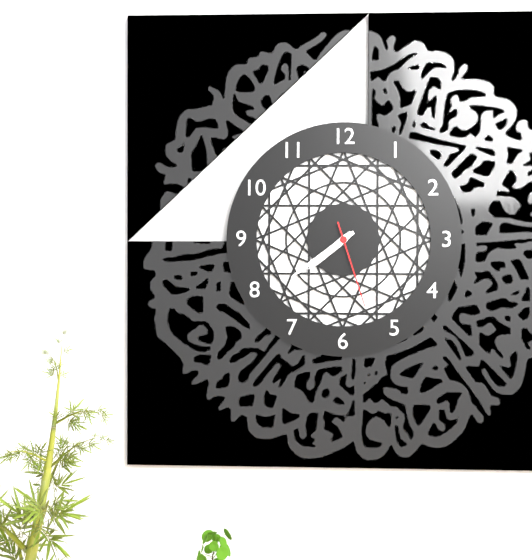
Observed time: 7h39m27s
